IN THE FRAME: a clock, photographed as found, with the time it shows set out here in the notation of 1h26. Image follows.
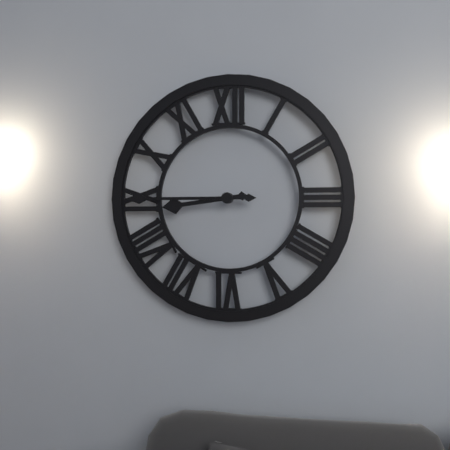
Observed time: 8h45
